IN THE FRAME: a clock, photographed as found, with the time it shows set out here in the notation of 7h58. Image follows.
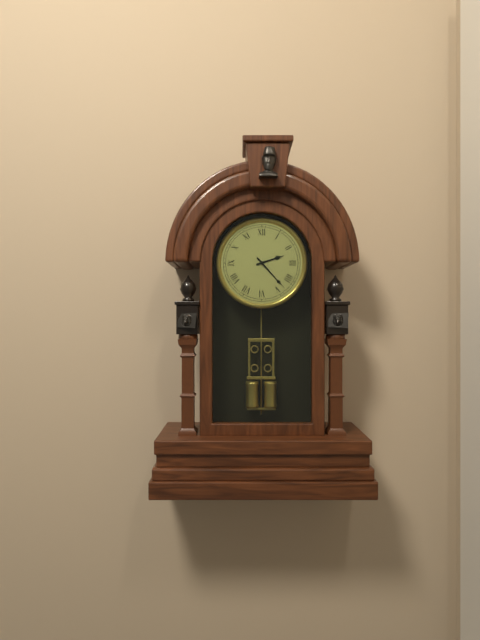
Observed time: 2h23
